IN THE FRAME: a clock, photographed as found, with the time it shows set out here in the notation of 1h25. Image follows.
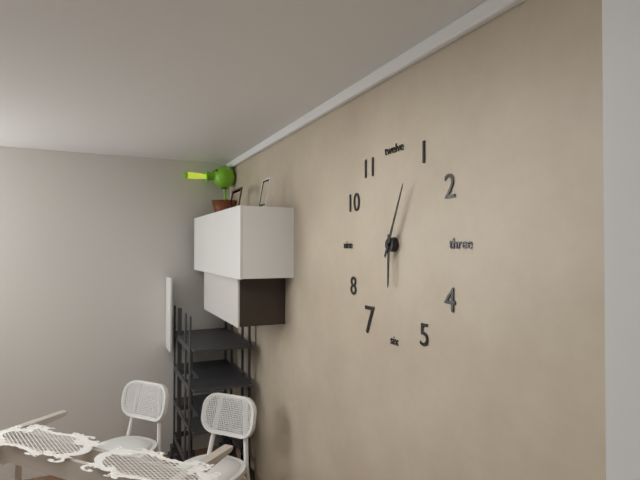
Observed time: 6h04
